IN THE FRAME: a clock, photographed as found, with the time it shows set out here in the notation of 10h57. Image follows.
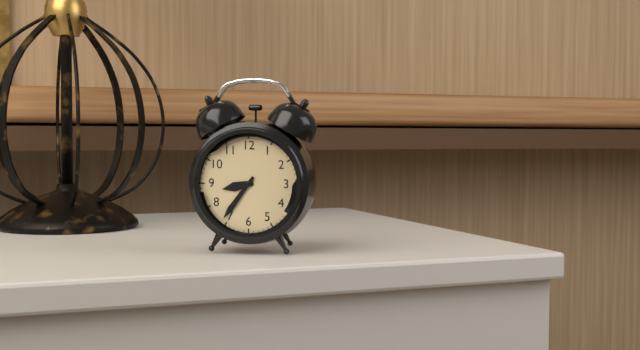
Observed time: 8h36
